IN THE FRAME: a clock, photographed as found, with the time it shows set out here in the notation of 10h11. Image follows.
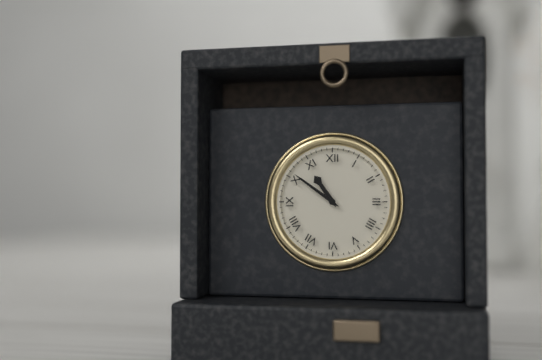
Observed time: 10h51
